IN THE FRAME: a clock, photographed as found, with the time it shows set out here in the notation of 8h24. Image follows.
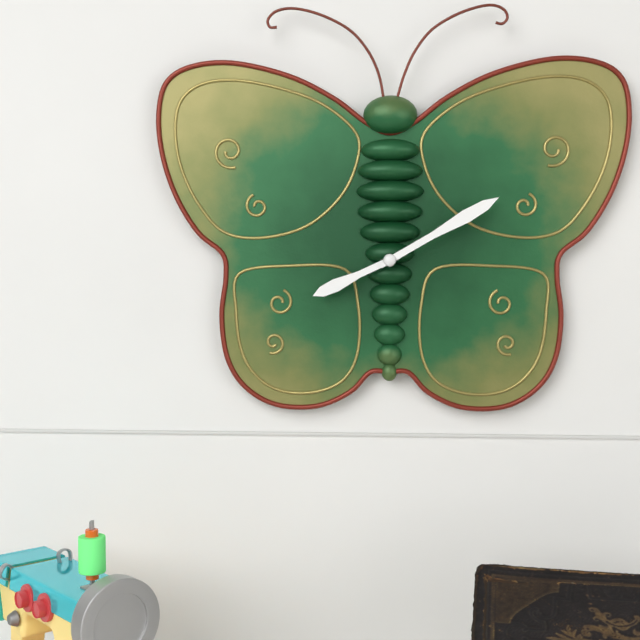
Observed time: 8h10
